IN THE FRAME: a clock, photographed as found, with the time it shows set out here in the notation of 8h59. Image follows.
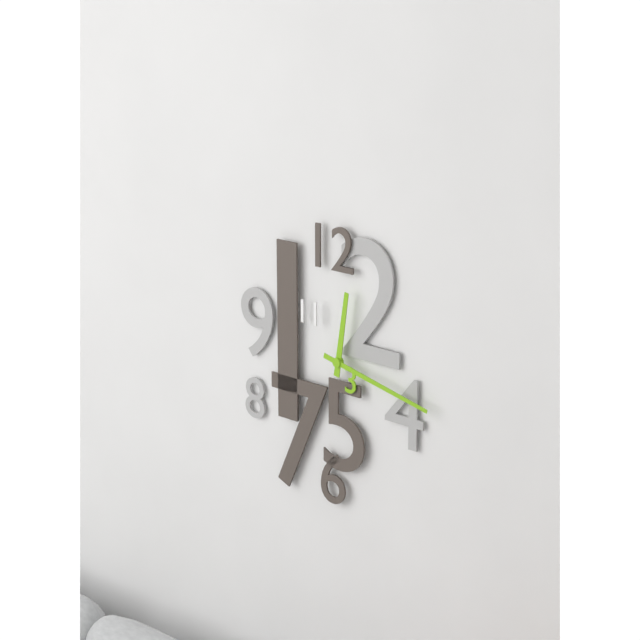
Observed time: 12h17
